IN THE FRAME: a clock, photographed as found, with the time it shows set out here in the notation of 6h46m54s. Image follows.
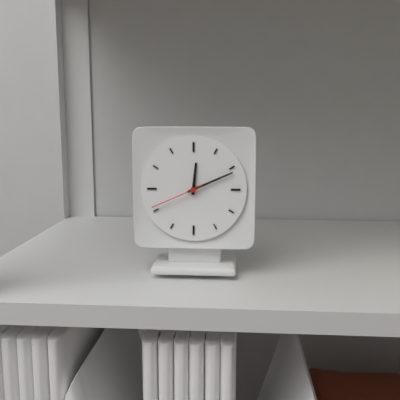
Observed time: 12h11m41s
